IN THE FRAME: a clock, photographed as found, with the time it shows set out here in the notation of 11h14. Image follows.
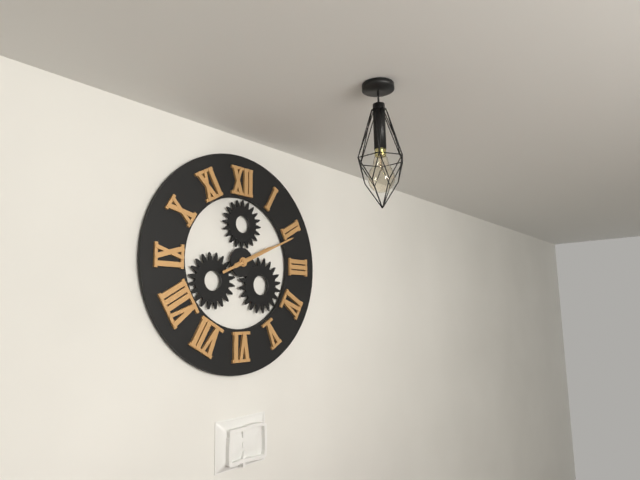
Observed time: 2h11
